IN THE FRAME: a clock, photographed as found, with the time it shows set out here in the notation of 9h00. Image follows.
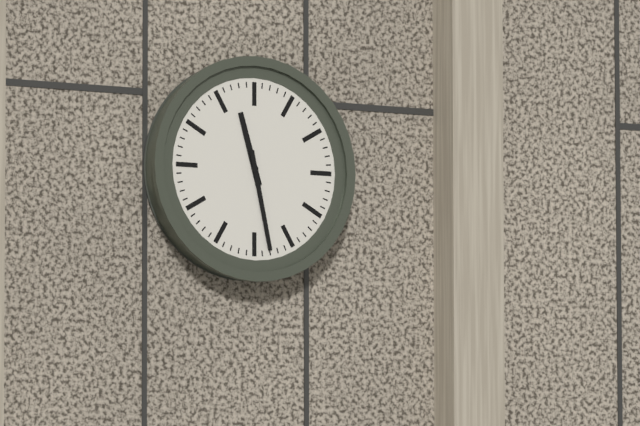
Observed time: 11h28
